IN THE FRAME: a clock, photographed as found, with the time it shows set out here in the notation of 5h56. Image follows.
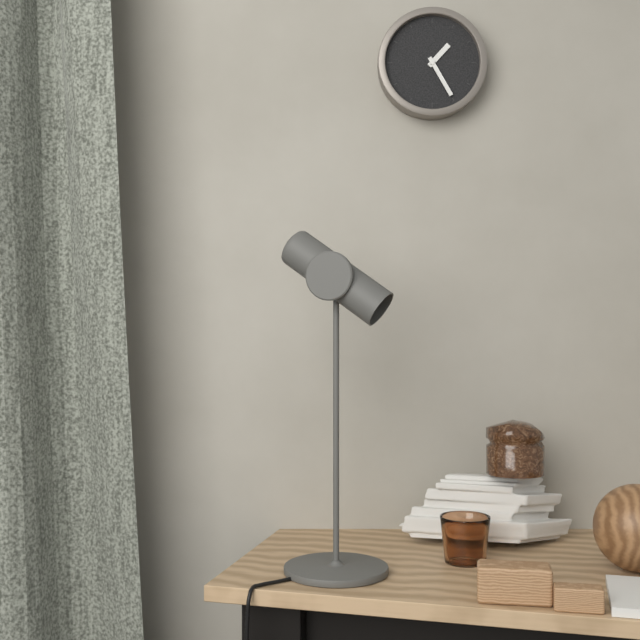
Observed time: 1h25
